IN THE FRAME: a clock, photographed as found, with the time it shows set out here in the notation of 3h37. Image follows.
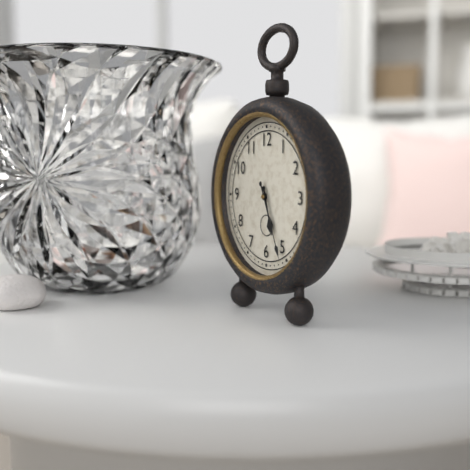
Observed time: 5h26
